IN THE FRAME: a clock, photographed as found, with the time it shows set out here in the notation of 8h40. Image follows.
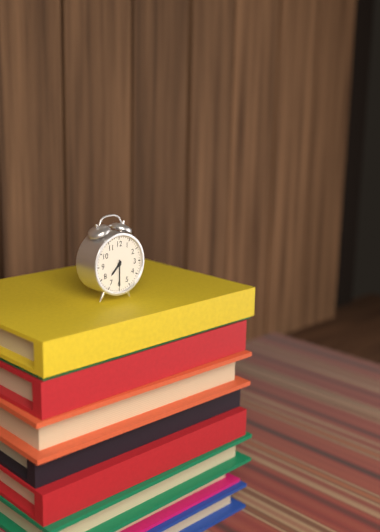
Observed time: 7h30
